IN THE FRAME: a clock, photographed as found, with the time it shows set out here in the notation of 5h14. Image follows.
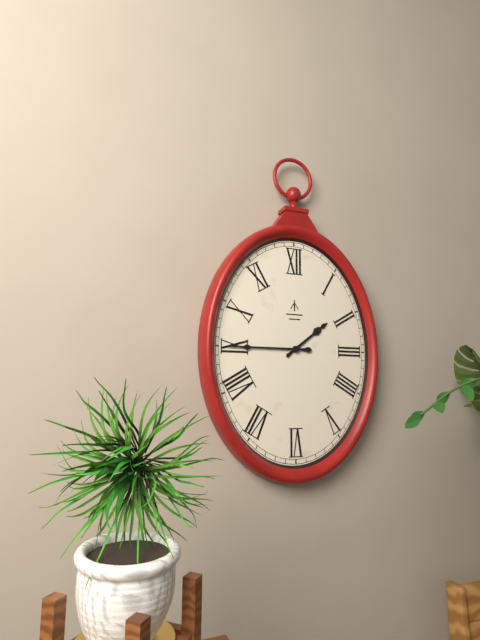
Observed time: 1h45
